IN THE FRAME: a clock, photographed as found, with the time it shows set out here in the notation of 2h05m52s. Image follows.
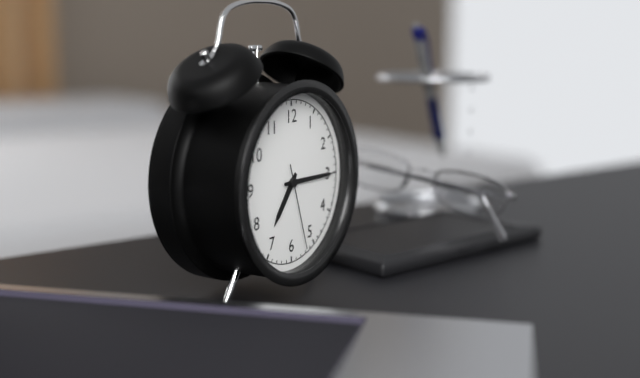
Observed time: 7h15m27s
